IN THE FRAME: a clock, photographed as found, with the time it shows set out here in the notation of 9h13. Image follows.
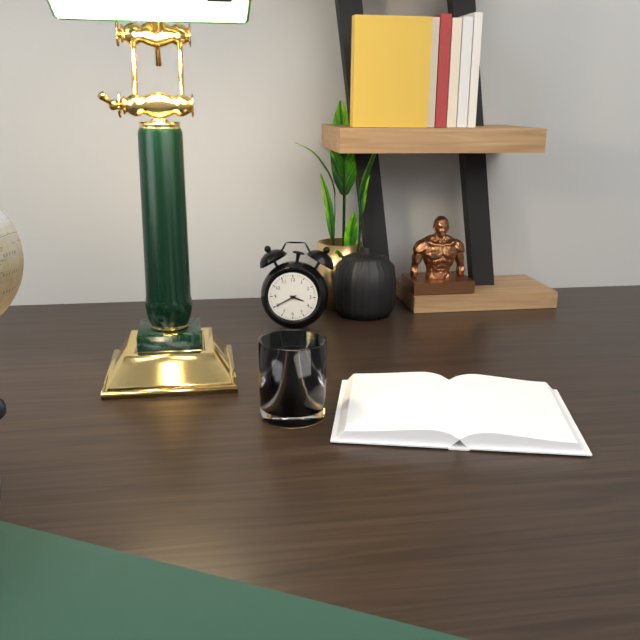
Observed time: 3h40
